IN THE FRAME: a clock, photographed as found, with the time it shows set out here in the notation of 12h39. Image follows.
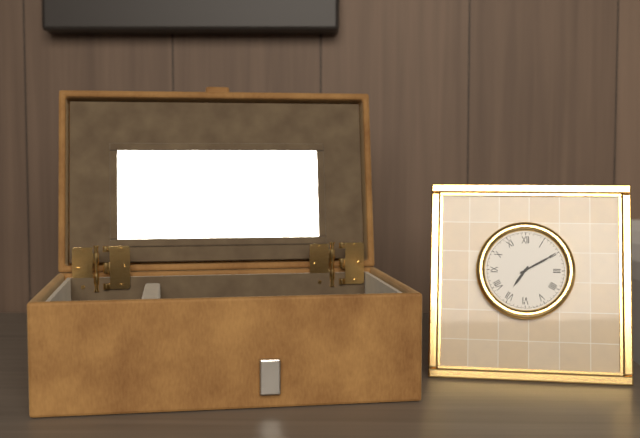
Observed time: 7h10
